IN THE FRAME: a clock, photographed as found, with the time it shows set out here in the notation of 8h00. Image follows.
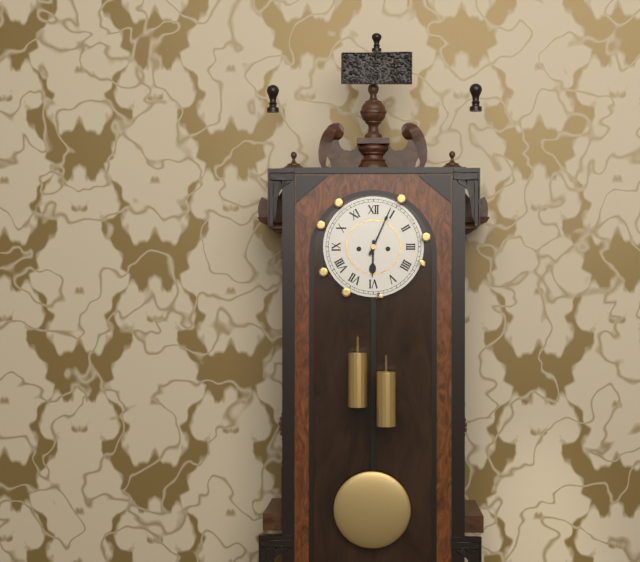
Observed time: 6h04
